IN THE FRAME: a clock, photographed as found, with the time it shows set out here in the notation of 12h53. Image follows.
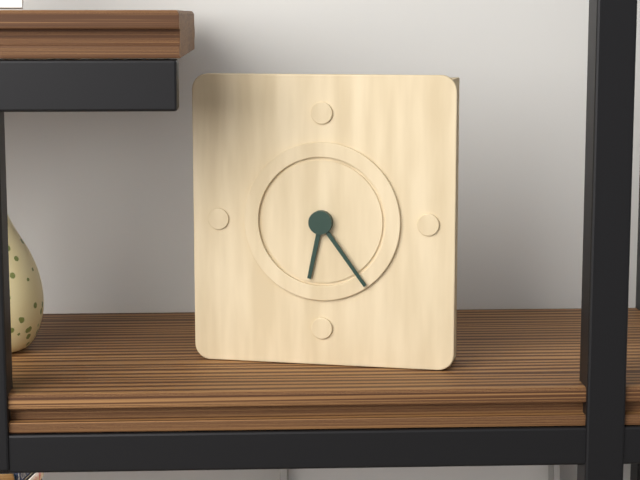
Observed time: 6h24
